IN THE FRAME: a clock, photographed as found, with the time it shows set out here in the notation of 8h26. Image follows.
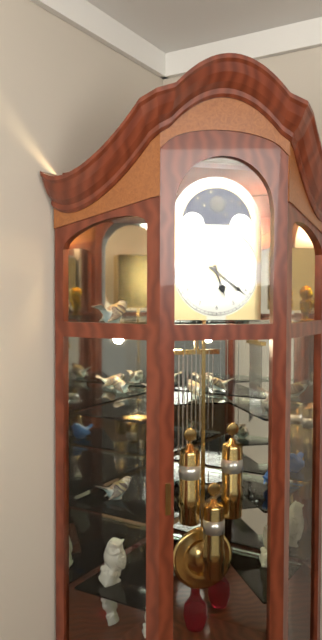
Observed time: 5h21
